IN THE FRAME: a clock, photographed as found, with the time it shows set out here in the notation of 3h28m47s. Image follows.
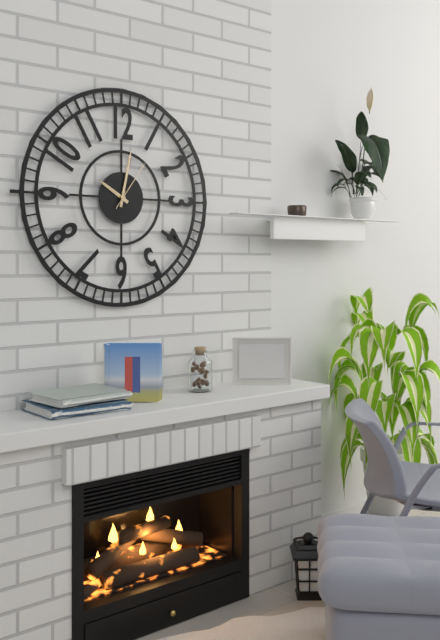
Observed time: 10h02m06s
